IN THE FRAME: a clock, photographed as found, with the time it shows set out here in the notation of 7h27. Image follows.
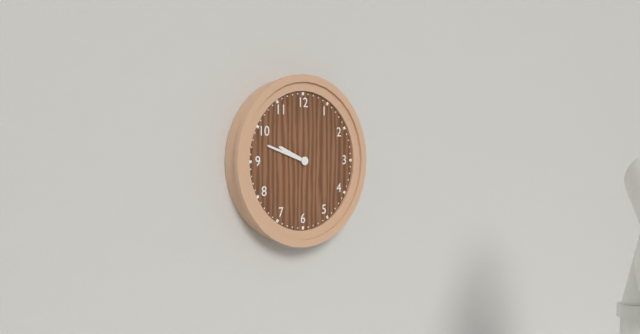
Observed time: 9h48
